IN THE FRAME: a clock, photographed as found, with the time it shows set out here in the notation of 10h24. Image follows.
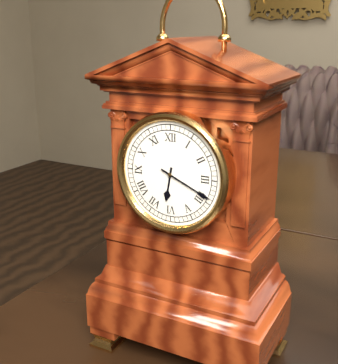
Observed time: 6h19
